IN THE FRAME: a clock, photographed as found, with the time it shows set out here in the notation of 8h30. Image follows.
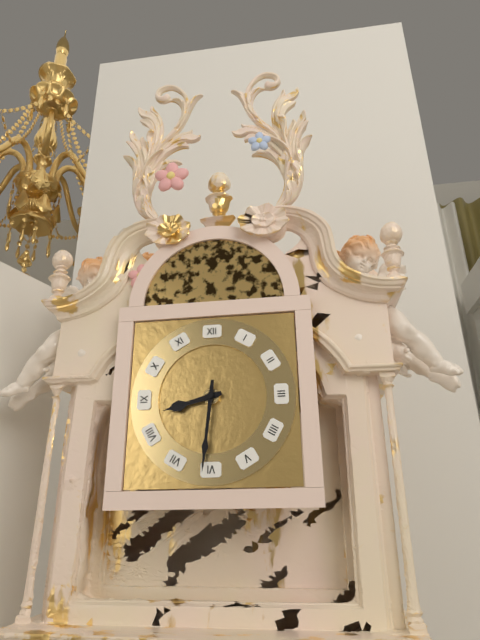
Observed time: 8h31
